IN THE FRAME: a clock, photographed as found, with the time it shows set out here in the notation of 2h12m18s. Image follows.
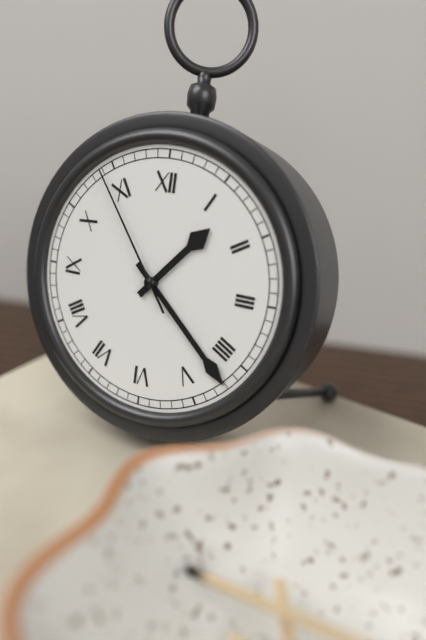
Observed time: 1h22m54s
